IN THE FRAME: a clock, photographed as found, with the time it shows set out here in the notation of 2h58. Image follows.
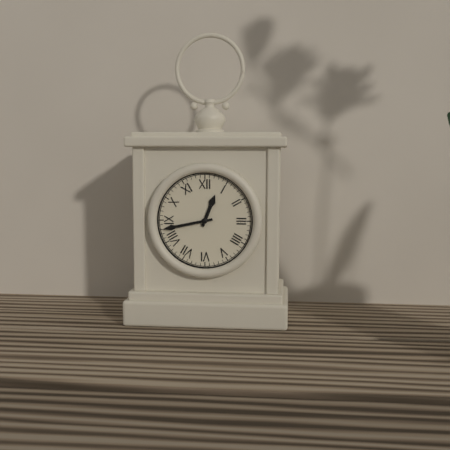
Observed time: 12h43
